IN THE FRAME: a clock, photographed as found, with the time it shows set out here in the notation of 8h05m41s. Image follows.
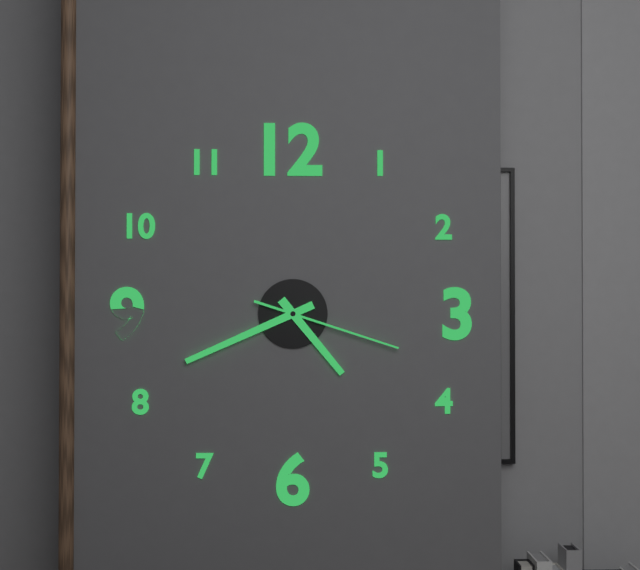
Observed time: 4h41m18s
